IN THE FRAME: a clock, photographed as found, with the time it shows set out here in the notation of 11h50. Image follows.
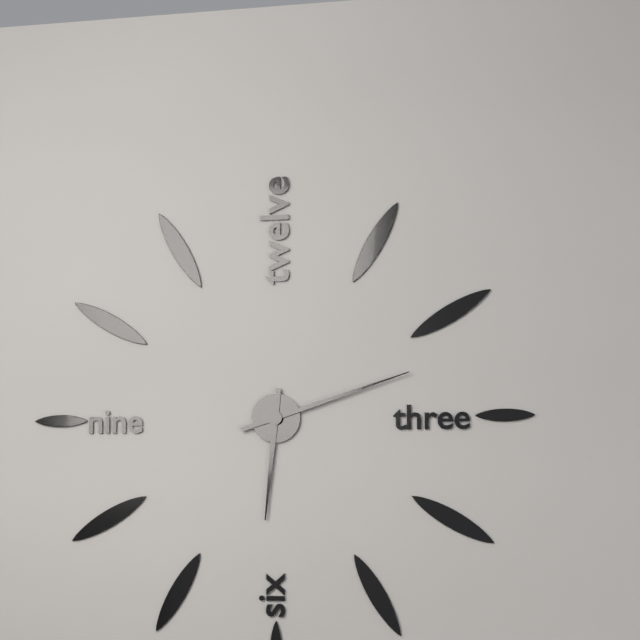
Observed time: 6h12
